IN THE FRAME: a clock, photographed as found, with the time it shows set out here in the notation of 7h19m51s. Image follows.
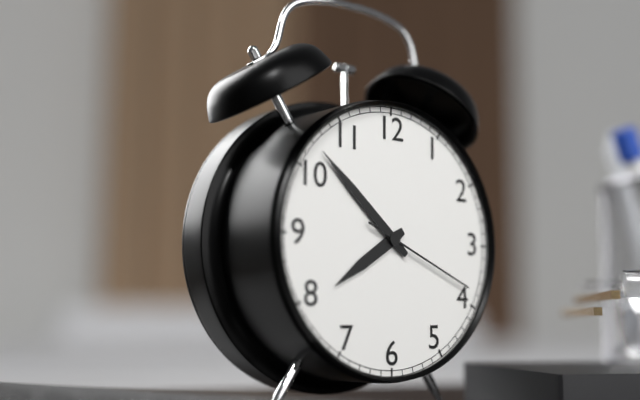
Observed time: 7h52m19s
